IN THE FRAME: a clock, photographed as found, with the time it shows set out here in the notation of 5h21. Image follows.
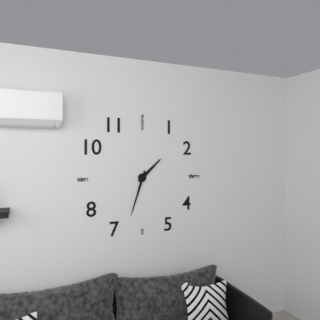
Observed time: 1h33
